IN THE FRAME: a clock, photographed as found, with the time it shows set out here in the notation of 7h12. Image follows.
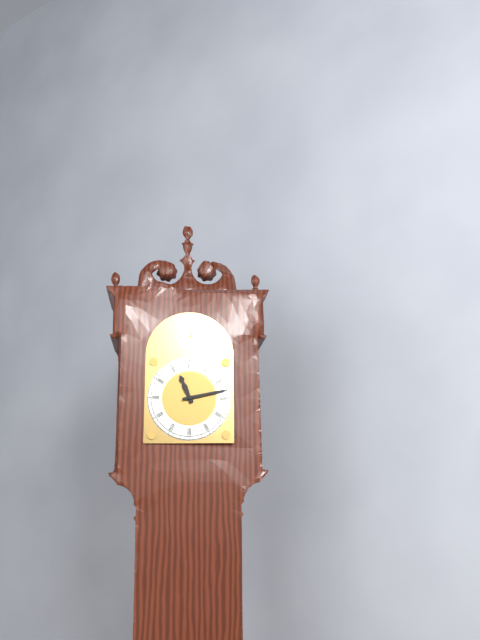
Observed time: 11h13
